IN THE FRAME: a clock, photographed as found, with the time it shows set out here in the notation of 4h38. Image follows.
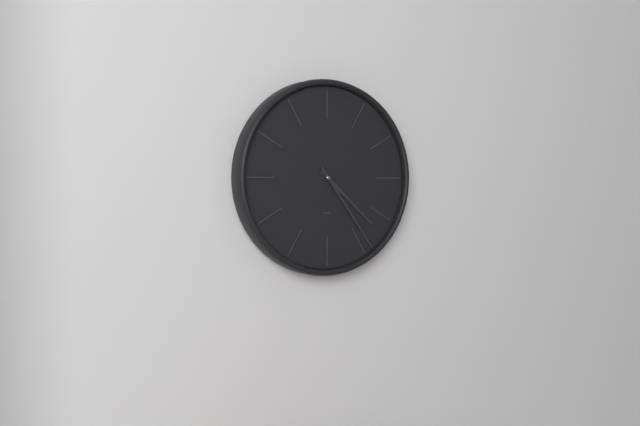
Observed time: 4h24
